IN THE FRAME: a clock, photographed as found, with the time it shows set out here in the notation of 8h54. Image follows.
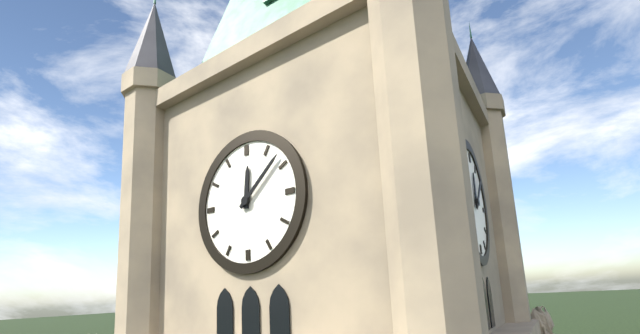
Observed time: 12h08
